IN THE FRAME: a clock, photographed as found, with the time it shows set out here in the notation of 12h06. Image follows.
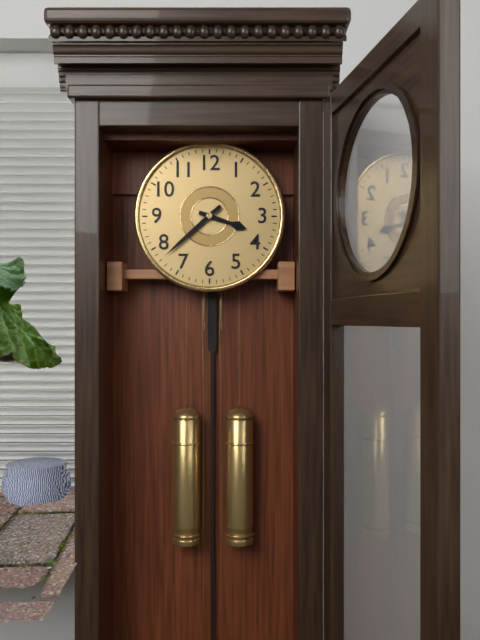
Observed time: 3h38
